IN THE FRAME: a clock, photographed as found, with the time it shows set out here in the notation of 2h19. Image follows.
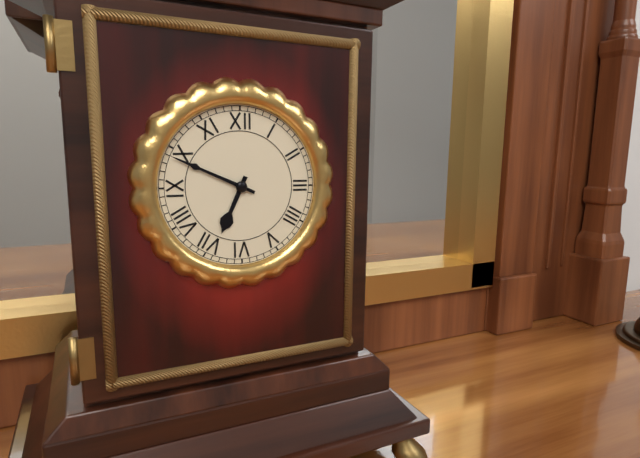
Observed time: 6h49
